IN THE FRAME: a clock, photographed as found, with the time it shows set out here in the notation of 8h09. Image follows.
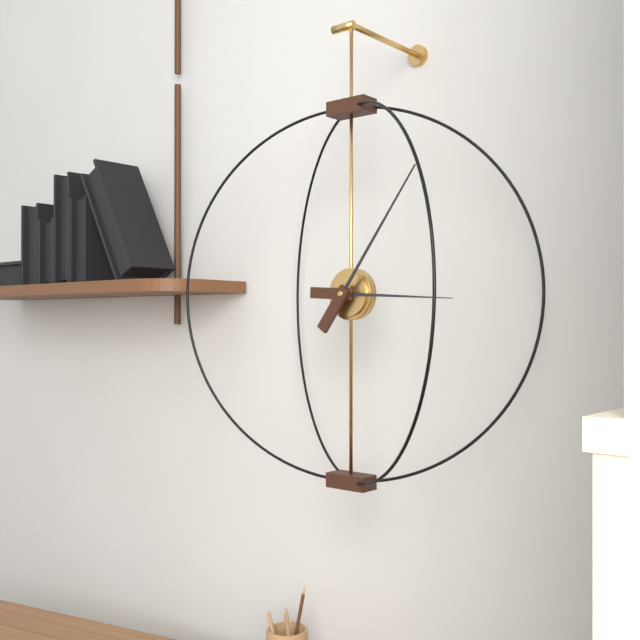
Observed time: 3h06
